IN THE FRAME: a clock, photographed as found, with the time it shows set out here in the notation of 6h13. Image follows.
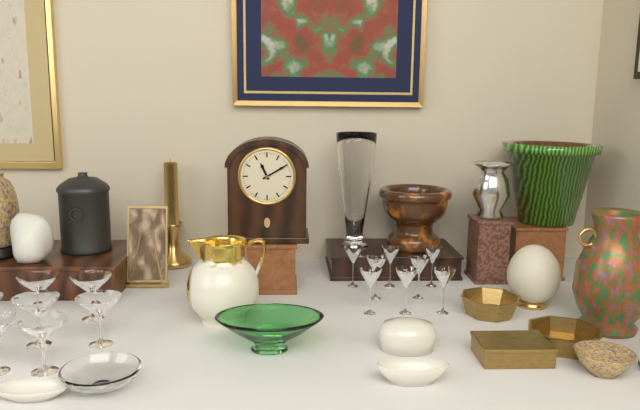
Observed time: 11h10
